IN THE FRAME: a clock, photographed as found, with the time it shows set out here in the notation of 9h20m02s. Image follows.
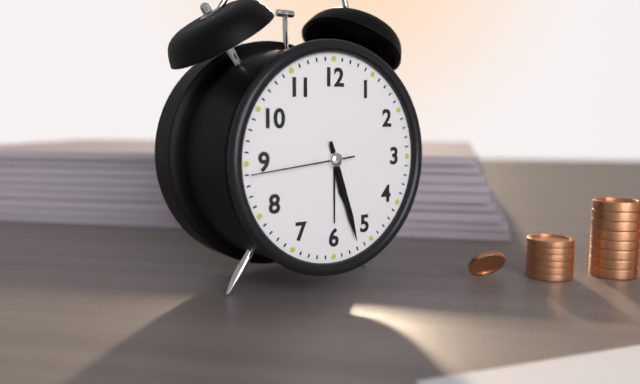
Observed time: 5h27m44s
